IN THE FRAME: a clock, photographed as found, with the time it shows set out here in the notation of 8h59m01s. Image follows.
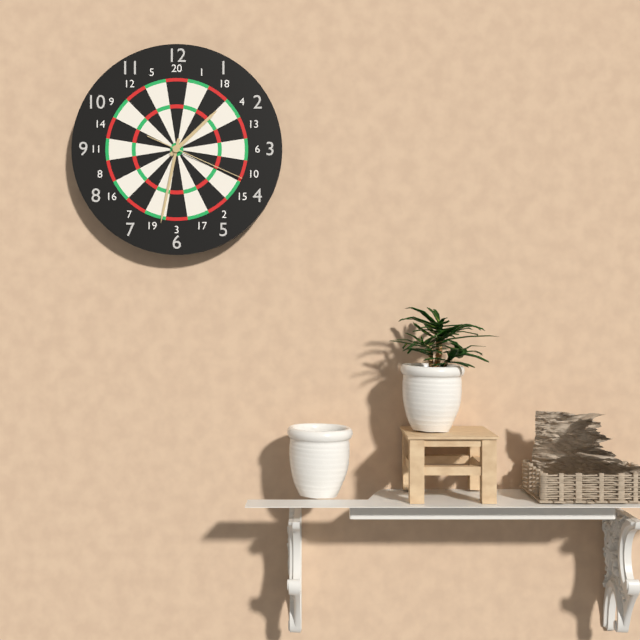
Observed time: 1h32m19s
